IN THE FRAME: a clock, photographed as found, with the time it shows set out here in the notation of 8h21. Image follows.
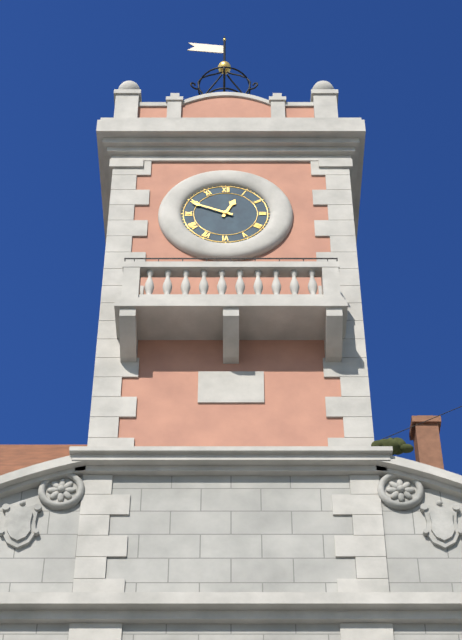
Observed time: 12h49
